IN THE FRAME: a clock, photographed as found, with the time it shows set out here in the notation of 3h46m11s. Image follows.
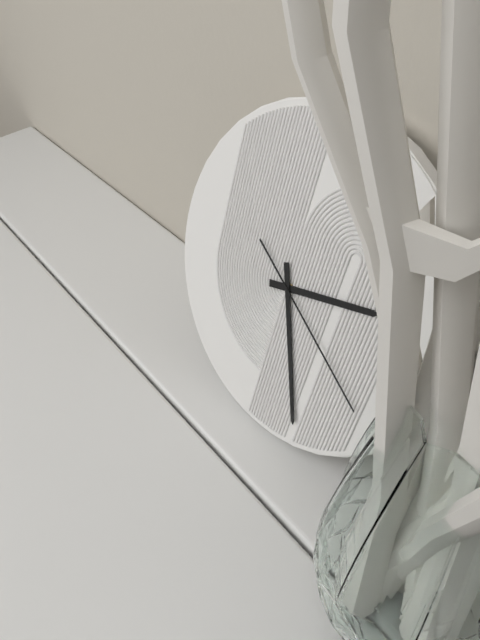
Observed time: 2h26m20s
